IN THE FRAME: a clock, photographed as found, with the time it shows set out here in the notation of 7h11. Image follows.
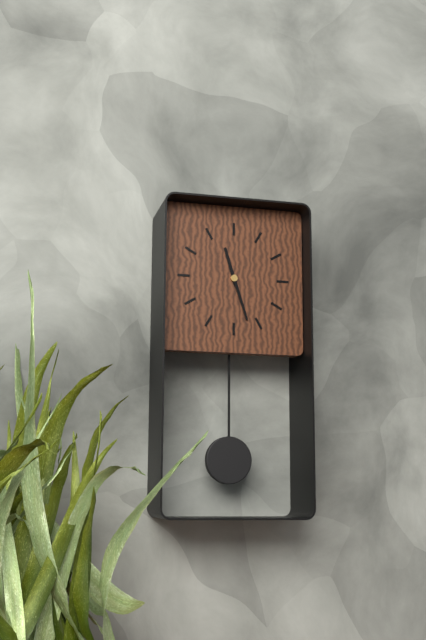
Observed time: 11h27
